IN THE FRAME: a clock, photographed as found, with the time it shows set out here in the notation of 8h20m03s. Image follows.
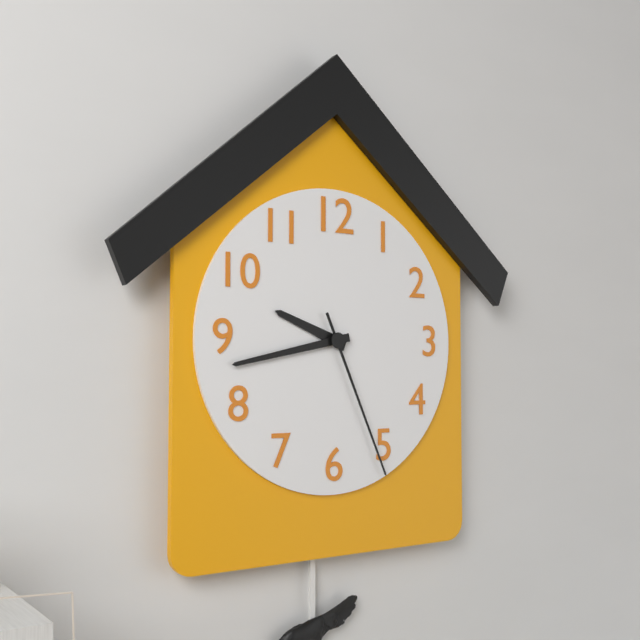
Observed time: 9h43m26s
